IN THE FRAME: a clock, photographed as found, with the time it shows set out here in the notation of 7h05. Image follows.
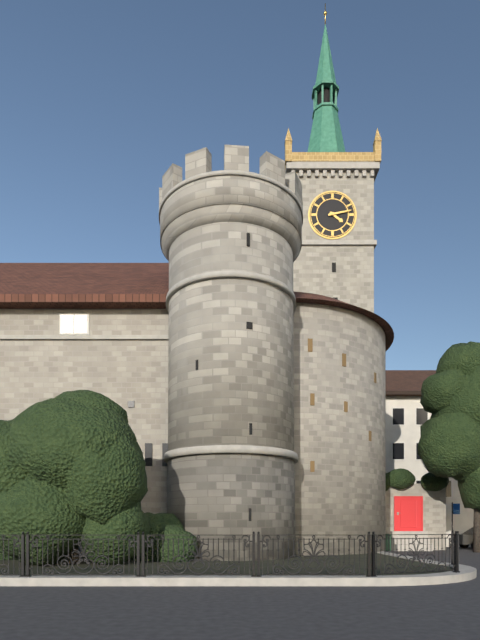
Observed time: 4h13
